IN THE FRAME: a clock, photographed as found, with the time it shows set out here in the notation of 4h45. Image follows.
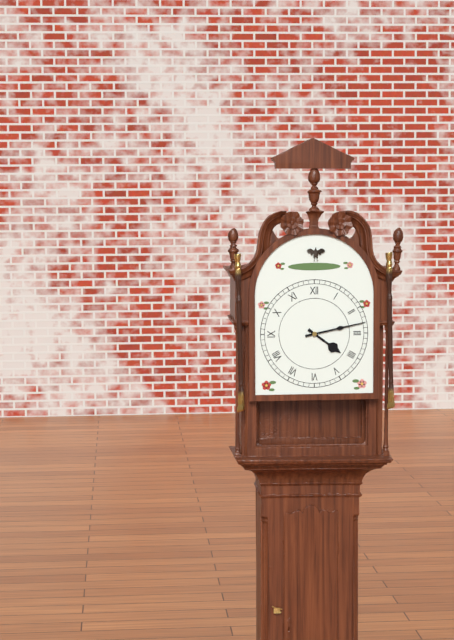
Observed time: 4h13
